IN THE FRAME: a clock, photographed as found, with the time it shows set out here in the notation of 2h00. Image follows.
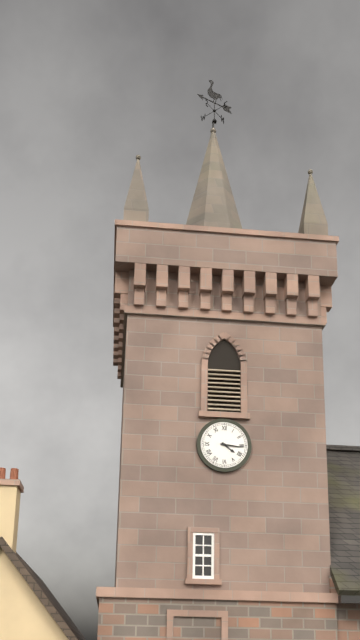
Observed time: 4h16
